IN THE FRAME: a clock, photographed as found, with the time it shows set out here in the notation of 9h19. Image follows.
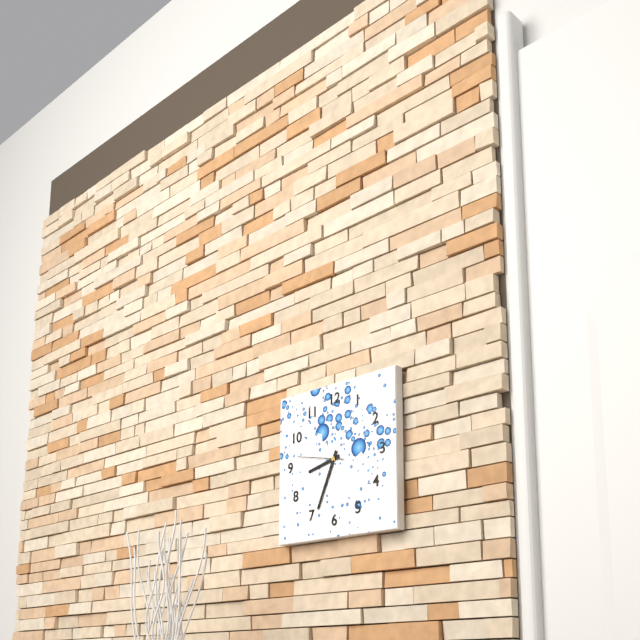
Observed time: 8h34
